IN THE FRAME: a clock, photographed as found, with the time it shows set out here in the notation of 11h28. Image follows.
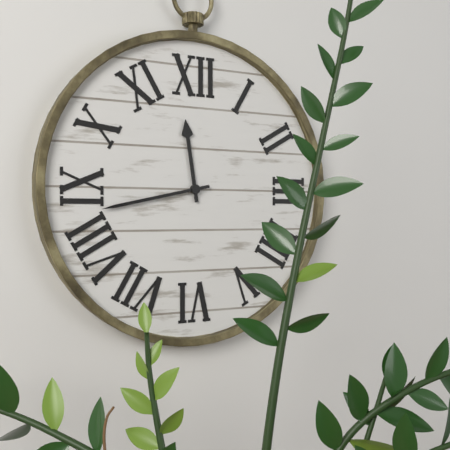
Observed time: 11h43
